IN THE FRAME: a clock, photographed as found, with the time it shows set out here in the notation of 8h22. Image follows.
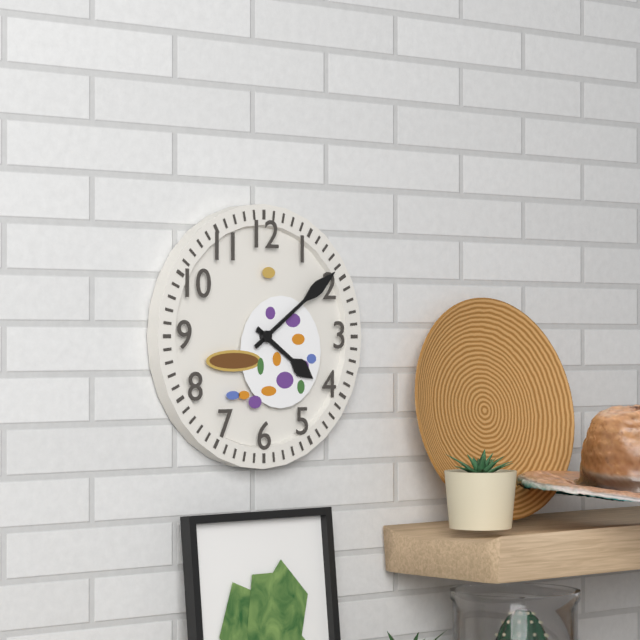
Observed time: 4h09
